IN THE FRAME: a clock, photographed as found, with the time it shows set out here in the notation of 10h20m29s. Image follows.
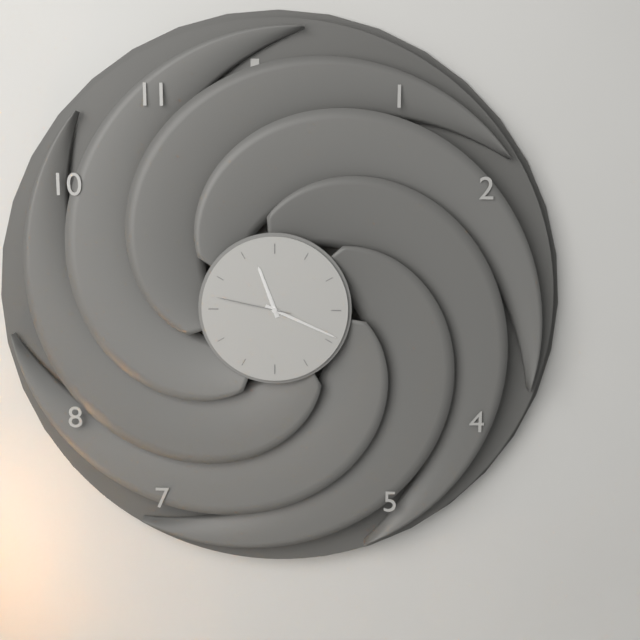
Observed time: 11h19m47s
